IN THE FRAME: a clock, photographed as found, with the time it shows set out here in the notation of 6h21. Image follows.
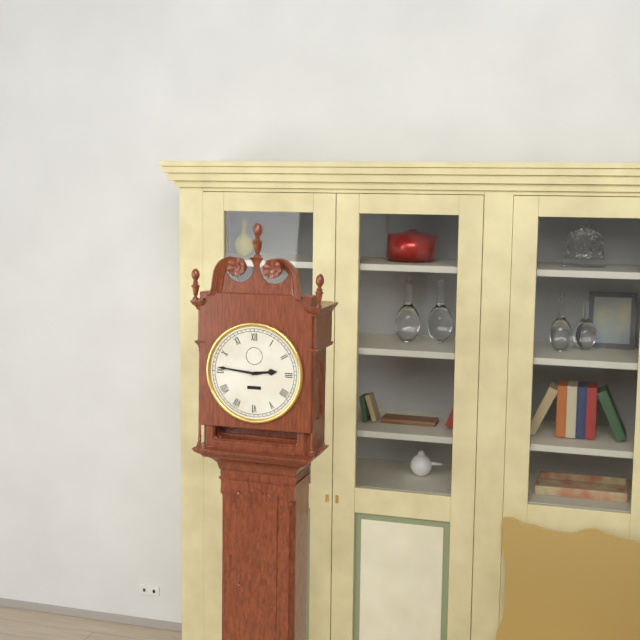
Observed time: 2h46
